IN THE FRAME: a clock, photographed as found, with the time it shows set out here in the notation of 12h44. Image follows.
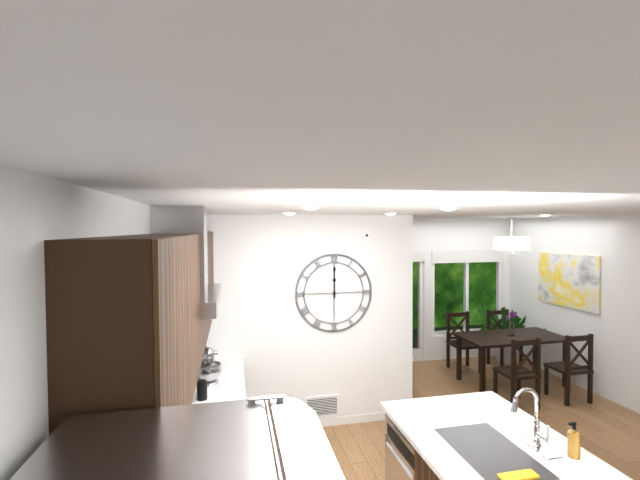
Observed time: 12h00
